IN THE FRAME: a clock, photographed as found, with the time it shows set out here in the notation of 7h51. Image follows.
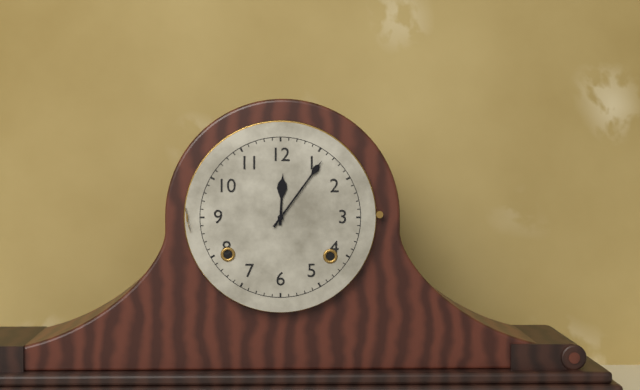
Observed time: 12h06
